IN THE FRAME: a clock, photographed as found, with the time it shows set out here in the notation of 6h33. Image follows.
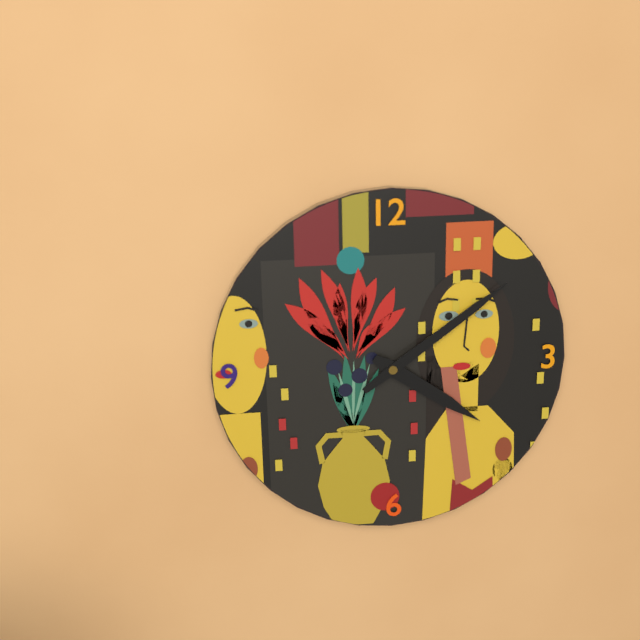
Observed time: 4h09
